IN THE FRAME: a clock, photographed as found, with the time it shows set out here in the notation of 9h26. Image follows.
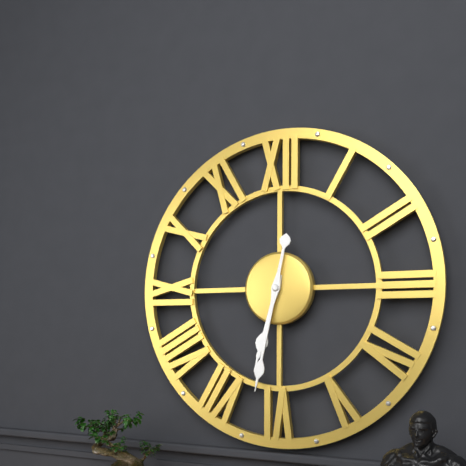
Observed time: 6h32
